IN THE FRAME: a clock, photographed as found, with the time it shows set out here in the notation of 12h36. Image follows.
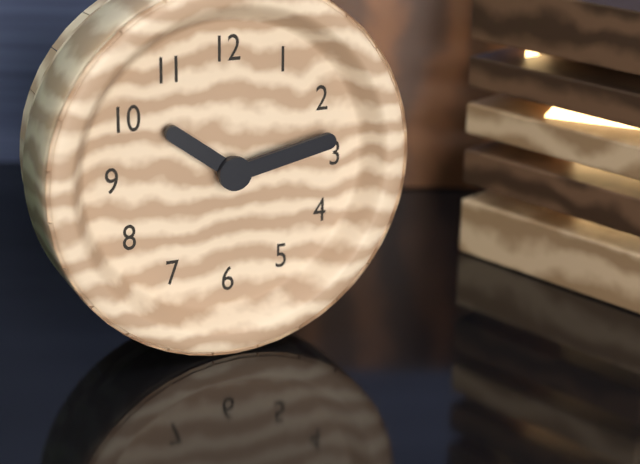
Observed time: 10h13
